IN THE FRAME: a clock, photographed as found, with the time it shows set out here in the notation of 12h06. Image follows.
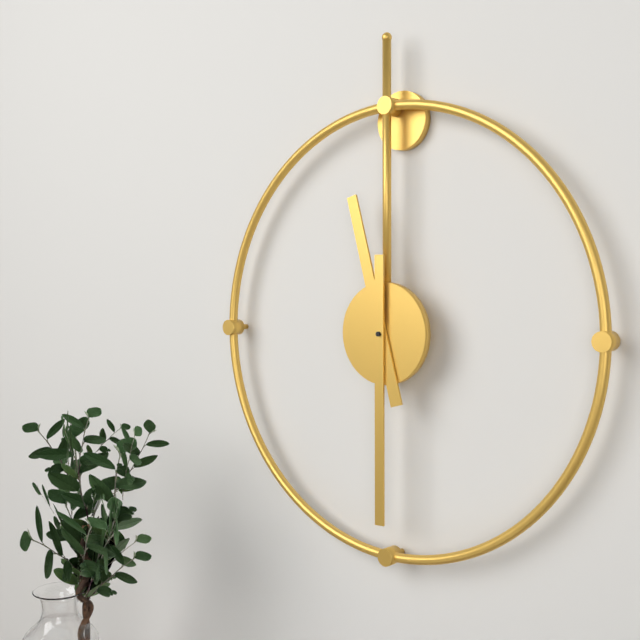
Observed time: 11h30
